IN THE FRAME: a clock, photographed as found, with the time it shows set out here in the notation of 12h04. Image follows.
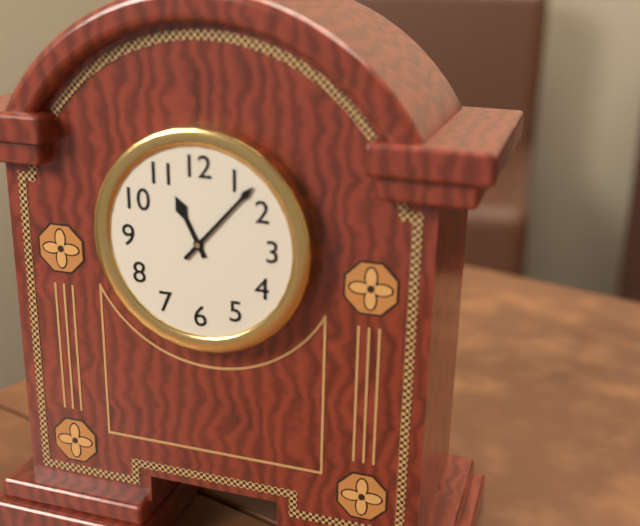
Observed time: 11h07
